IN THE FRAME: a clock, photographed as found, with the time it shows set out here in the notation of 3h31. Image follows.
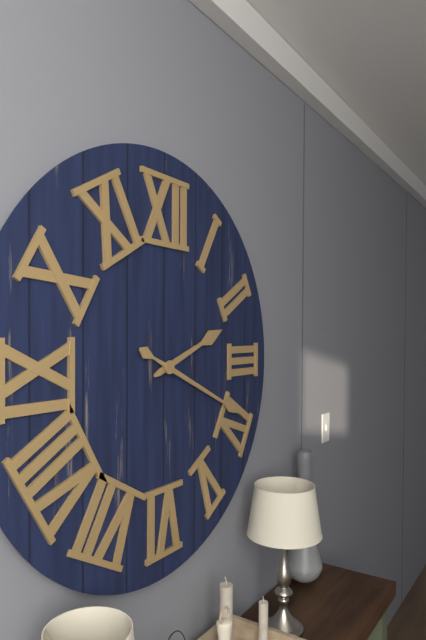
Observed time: 2h19
